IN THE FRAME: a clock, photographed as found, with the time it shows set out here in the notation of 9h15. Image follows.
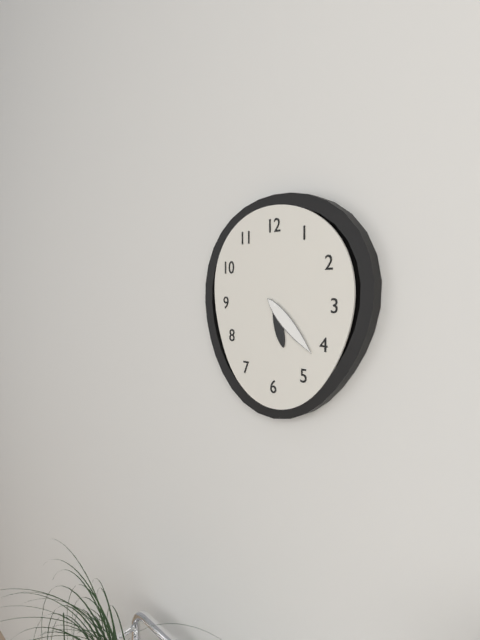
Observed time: 5h22
